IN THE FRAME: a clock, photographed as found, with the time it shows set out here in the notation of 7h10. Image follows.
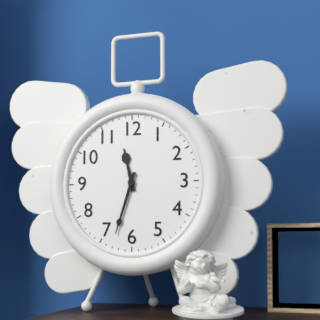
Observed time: 11h33
